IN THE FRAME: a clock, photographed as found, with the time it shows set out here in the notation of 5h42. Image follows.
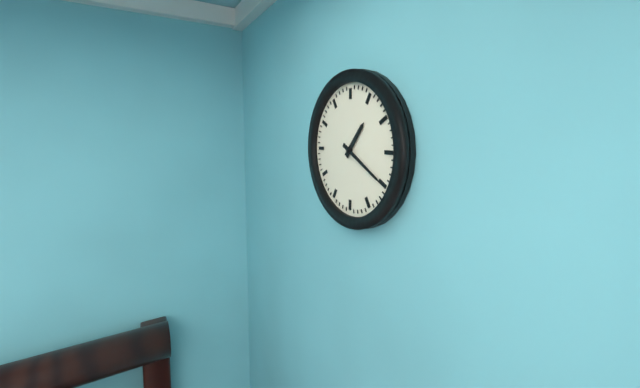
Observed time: 1h20
